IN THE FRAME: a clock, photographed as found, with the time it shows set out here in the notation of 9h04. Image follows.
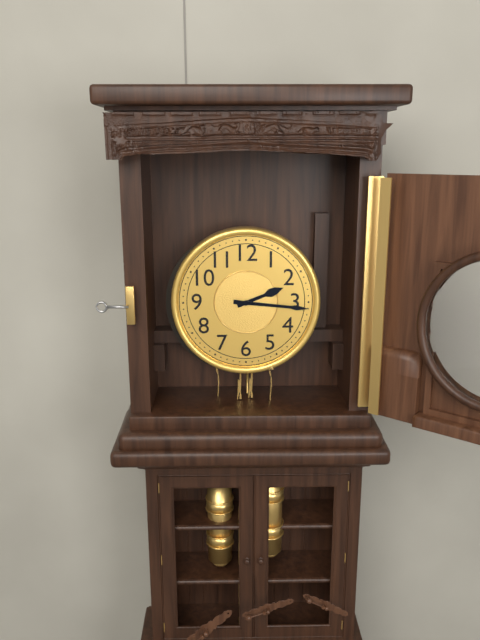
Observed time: 2h16
